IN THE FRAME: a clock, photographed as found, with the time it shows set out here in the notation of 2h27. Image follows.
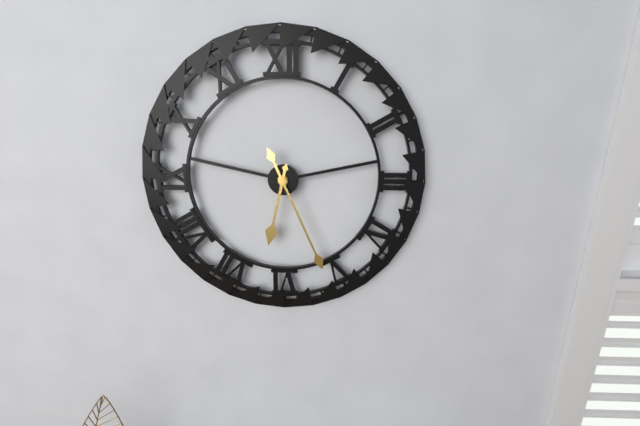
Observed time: 6h26
